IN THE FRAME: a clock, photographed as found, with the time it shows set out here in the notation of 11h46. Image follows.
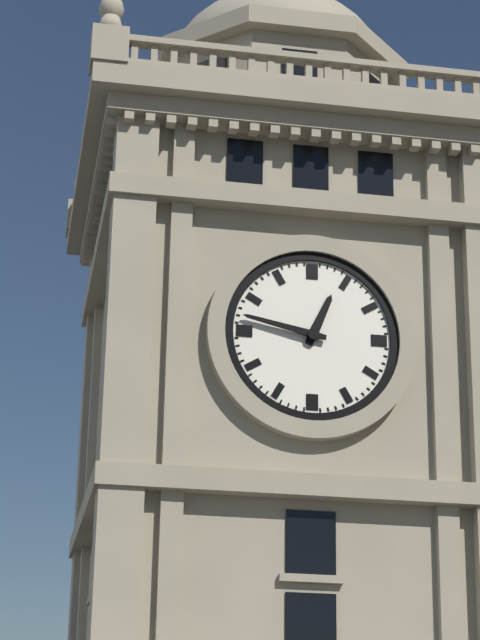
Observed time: 12h47
